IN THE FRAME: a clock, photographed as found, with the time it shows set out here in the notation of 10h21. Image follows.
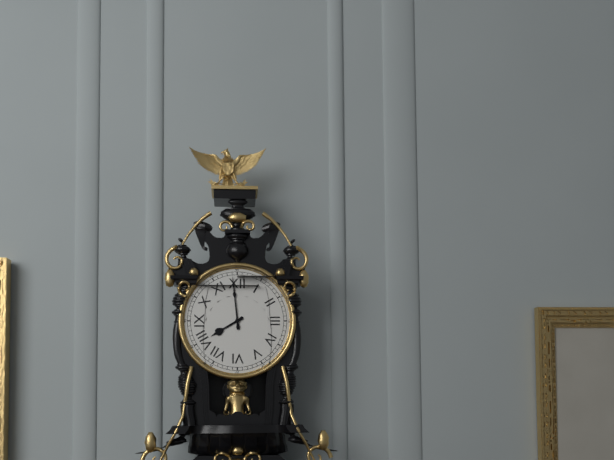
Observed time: 7h59
